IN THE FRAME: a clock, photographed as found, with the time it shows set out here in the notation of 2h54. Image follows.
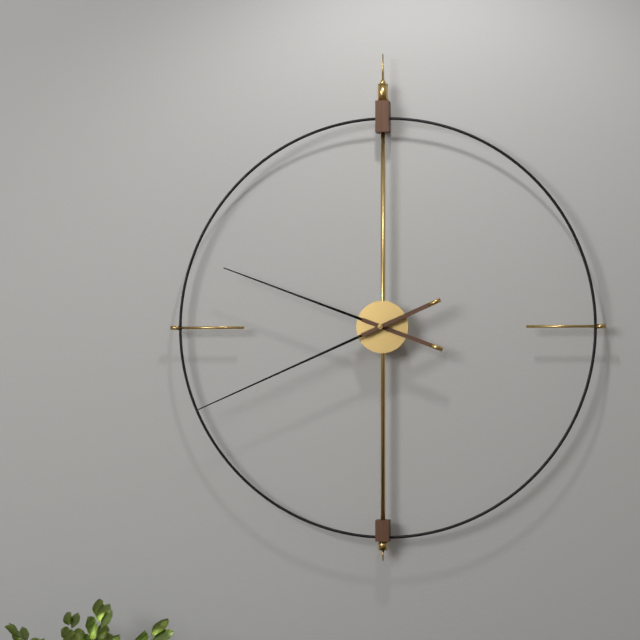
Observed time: 9h41
